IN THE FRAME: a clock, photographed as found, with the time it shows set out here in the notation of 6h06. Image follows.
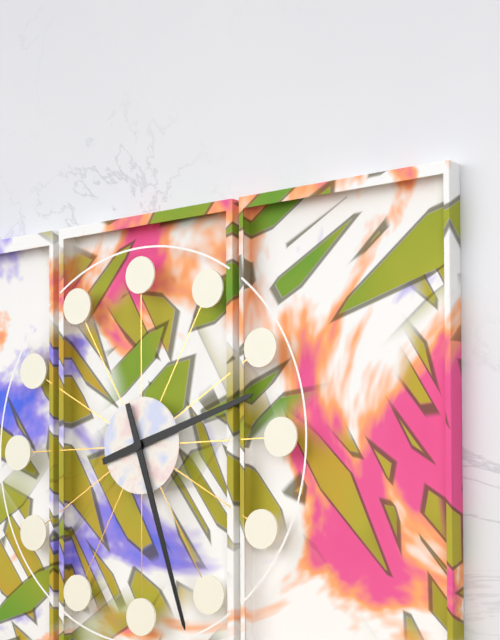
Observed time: 2h27
